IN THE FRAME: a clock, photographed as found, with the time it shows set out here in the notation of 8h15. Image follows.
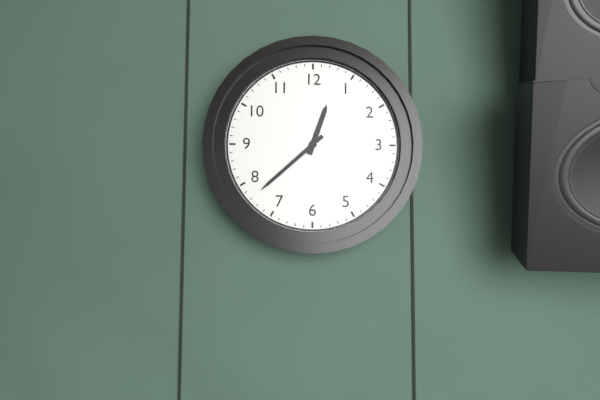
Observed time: 12h38
